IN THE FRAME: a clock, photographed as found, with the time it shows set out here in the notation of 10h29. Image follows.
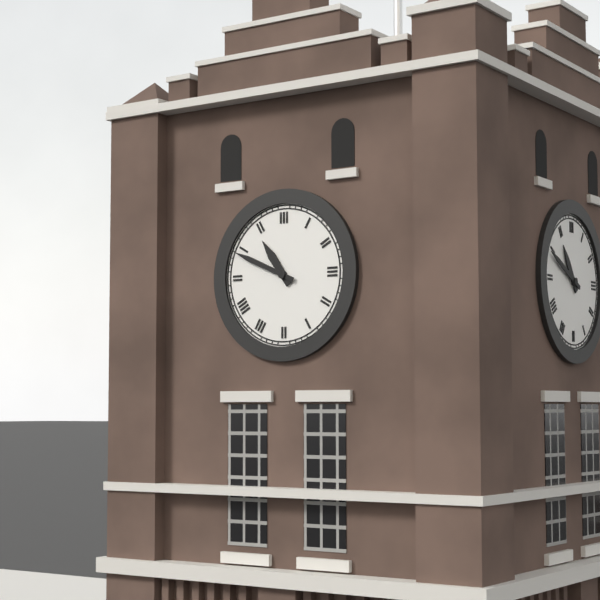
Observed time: 10h49
